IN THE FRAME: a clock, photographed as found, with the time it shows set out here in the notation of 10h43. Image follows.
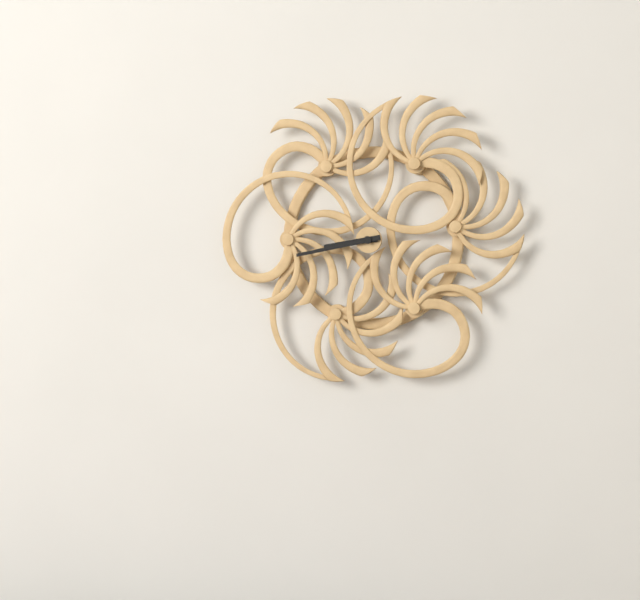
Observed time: 8h43
